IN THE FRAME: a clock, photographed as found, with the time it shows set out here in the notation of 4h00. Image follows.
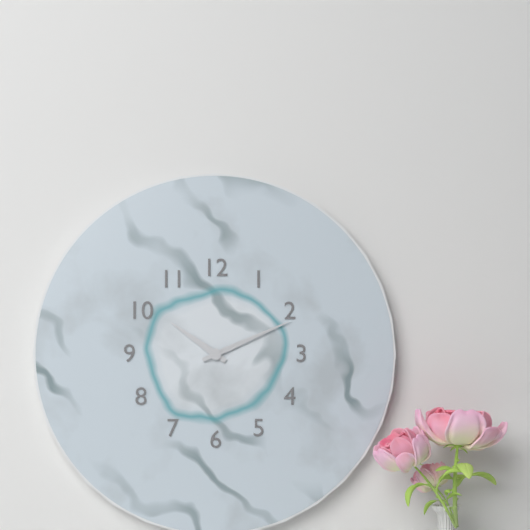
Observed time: 10h11
